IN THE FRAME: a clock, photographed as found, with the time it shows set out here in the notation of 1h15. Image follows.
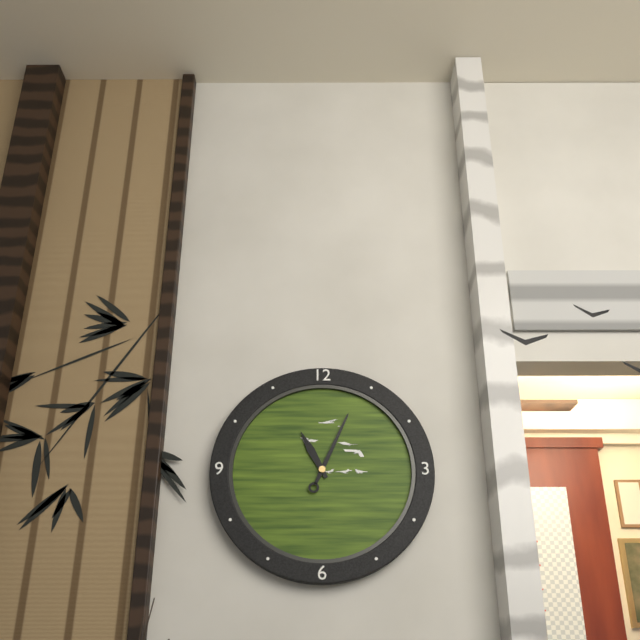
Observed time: 11h04
